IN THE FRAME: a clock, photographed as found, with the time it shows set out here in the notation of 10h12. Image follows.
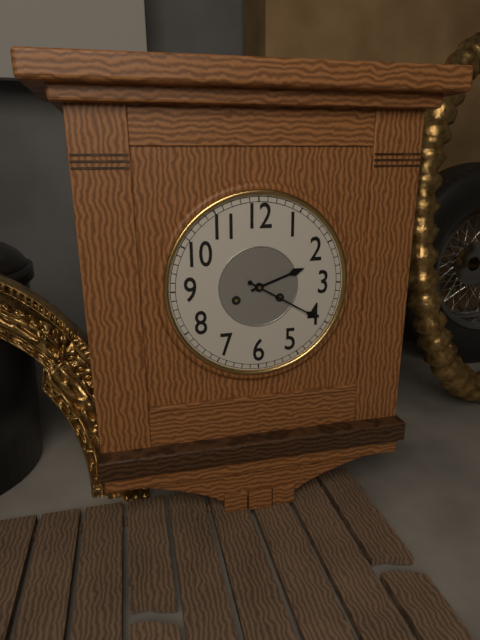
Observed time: 2h20
